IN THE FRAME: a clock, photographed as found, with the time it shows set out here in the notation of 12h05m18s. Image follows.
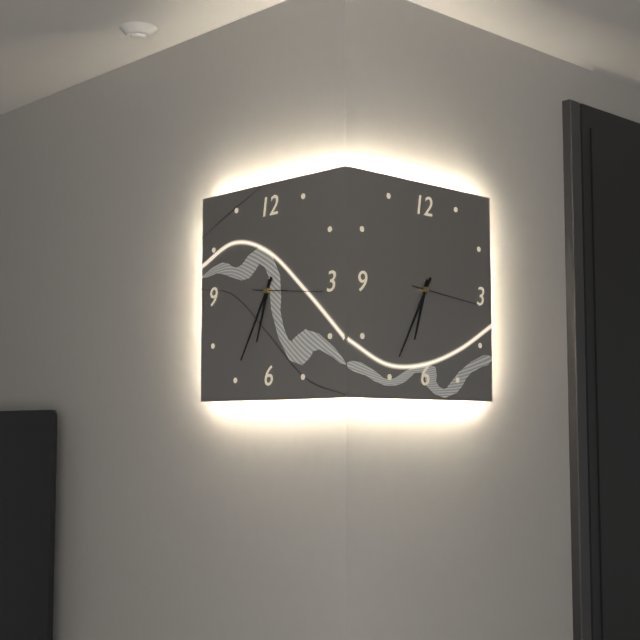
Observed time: 6h35m16s
